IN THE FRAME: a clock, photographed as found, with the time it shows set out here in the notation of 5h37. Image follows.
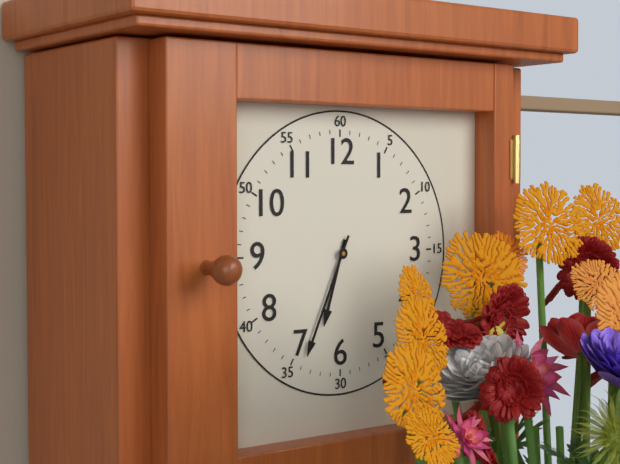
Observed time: 6h34
